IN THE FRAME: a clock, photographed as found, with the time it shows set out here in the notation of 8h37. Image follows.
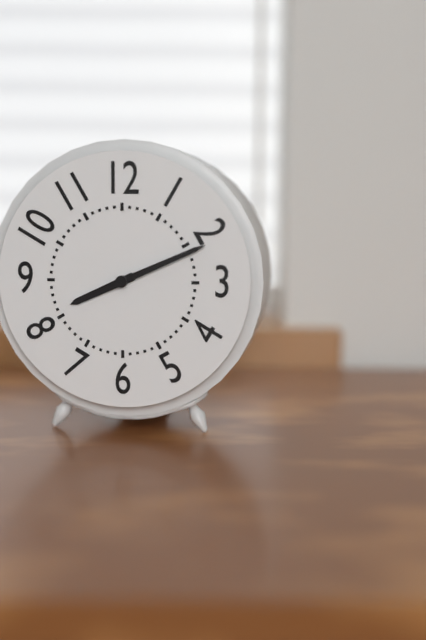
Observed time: 8h11
